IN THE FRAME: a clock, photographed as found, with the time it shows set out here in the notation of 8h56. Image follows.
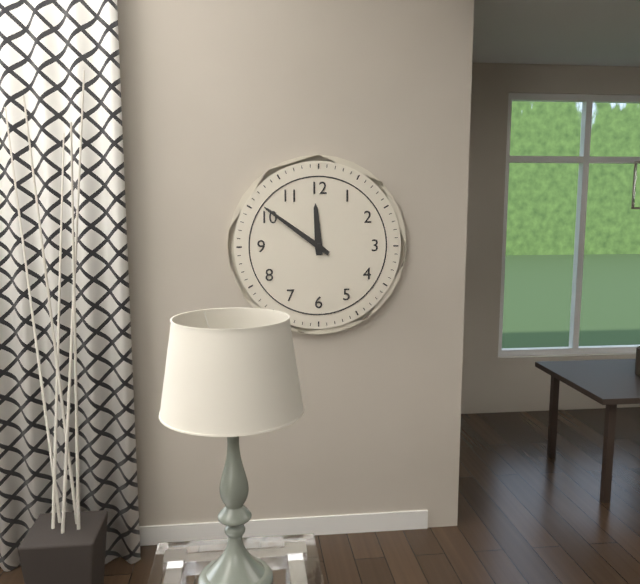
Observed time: 11h51
